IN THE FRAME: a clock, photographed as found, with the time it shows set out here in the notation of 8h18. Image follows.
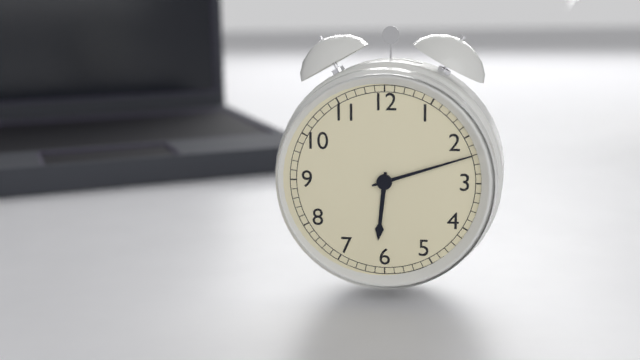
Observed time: 6h12
